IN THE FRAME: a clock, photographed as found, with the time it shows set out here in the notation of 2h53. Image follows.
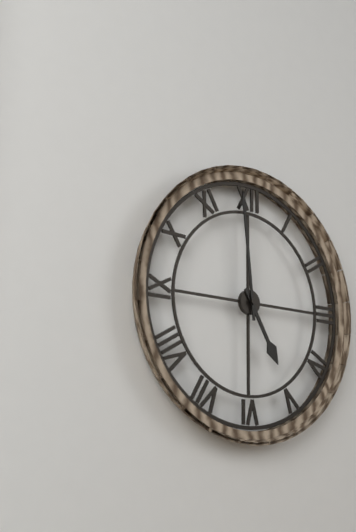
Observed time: 4h59
